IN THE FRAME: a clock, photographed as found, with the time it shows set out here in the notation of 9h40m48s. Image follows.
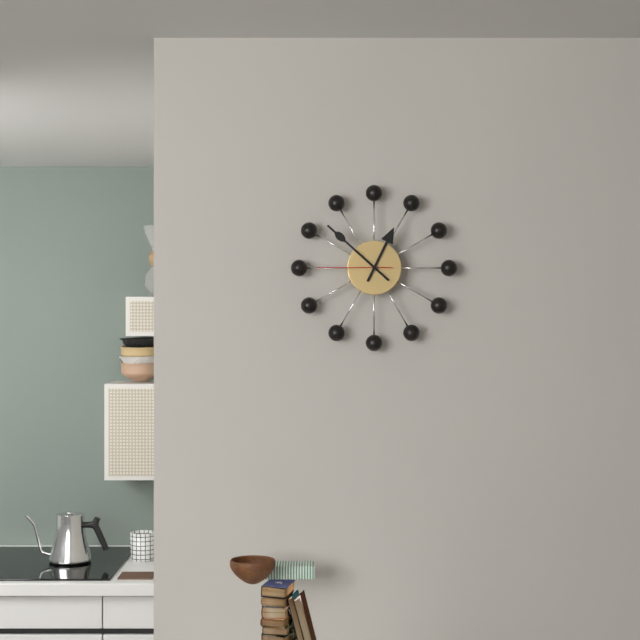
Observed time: 12h52m45s
